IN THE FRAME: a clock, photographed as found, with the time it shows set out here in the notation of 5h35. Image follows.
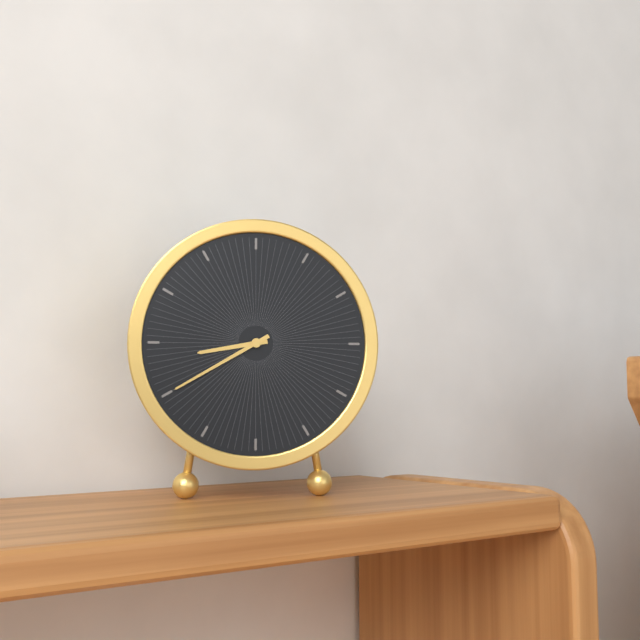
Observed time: 8h40
